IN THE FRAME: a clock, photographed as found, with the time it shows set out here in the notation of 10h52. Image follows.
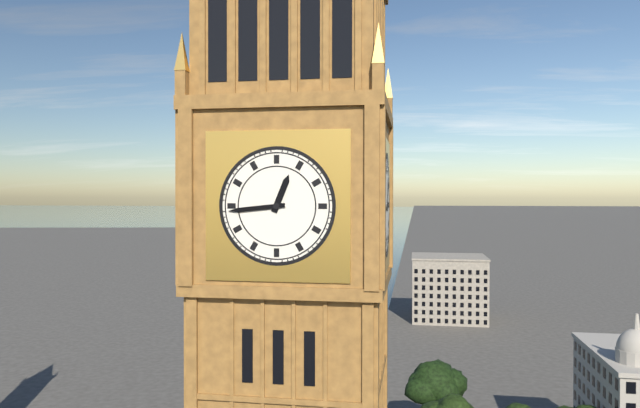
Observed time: 12h44
